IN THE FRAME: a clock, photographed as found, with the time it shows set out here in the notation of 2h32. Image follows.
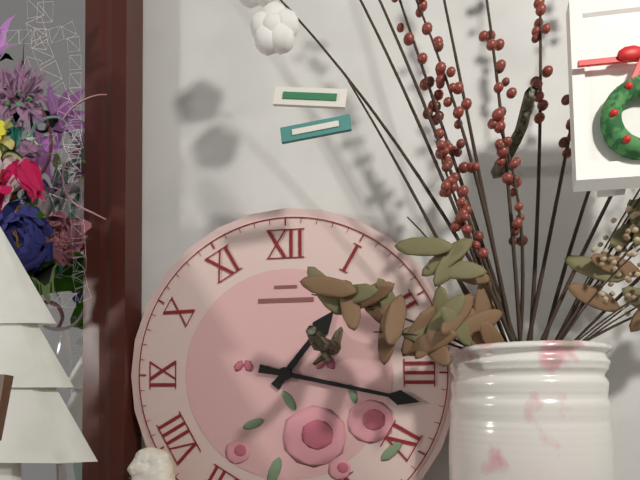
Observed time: 1h17
